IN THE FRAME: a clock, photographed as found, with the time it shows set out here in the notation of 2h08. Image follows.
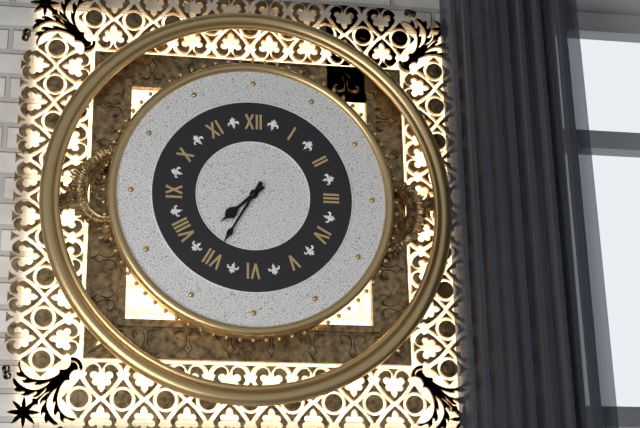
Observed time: 7h35
